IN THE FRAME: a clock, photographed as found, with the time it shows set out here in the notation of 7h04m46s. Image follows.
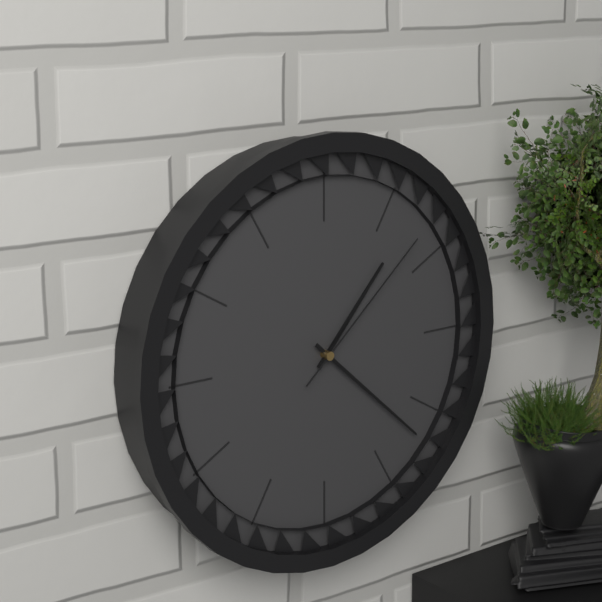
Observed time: 1h22m08s
